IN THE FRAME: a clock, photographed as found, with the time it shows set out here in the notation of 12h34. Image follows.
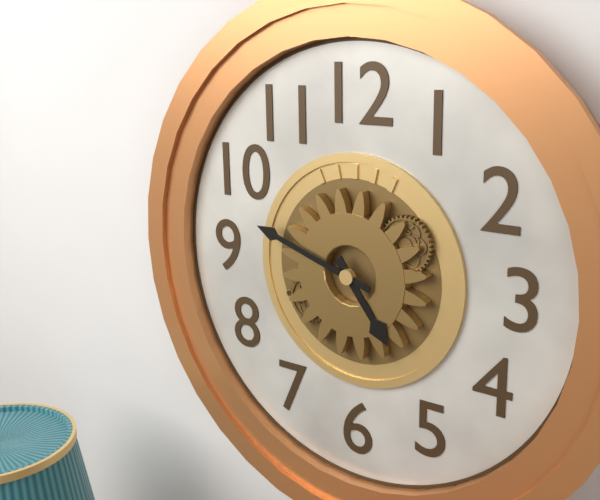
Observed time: 4h48
